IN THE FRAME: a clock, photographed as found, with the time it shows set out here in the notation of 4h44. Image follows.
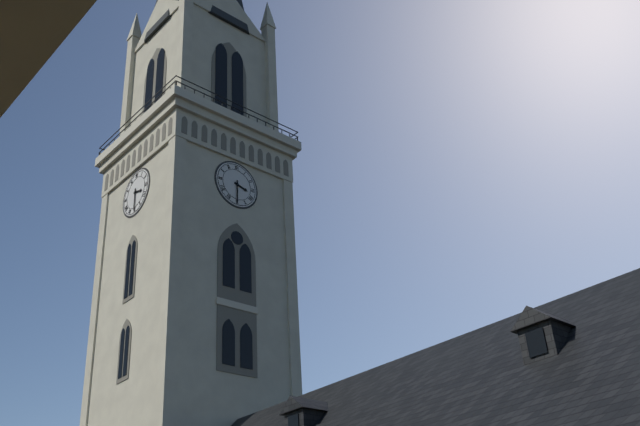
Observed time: 3h30
